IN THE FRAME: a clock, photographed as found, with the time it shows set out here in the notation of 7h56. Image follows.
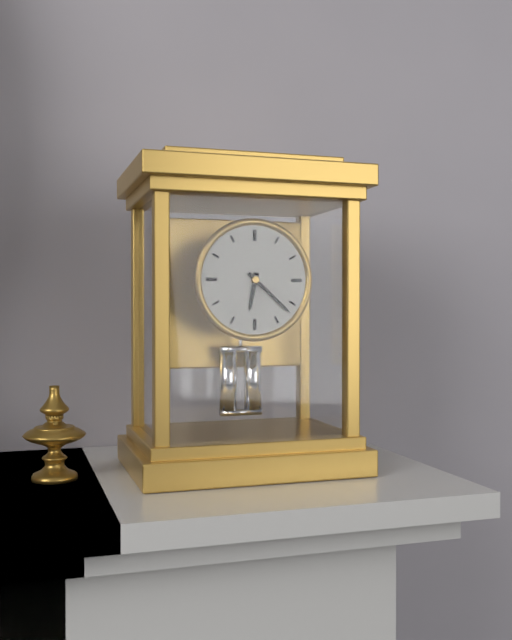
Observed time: 6h22
